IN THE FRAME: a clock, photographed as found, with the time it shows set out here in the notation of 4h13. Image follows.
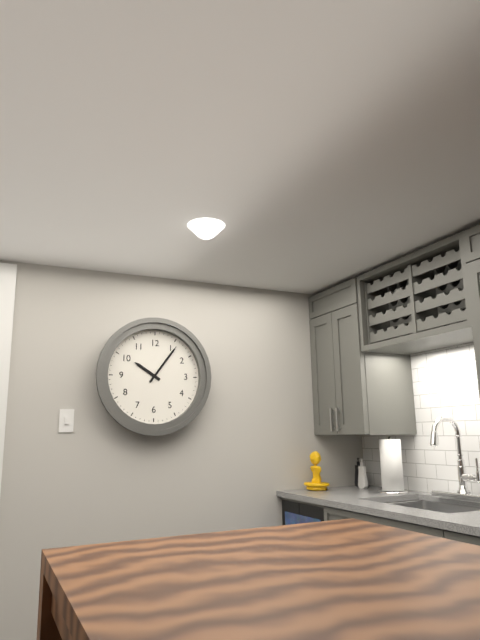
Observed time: 10h06
